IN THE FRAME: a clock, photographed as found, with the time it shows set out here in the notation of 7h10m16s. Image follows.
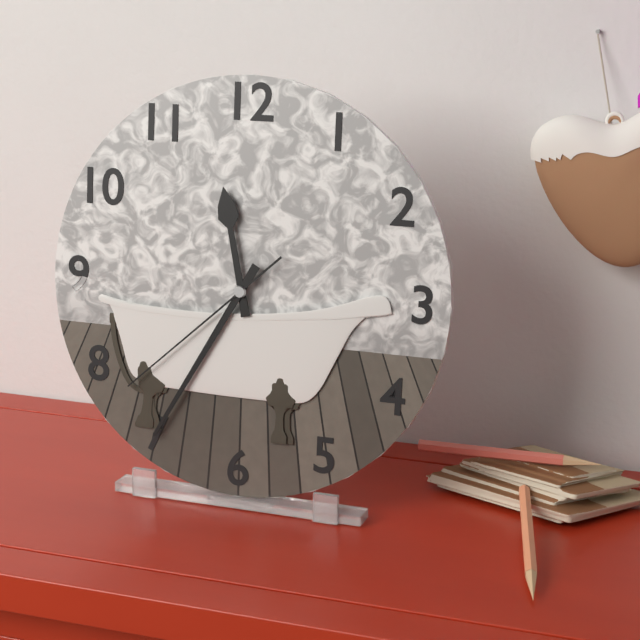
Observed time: 11h35m38s
